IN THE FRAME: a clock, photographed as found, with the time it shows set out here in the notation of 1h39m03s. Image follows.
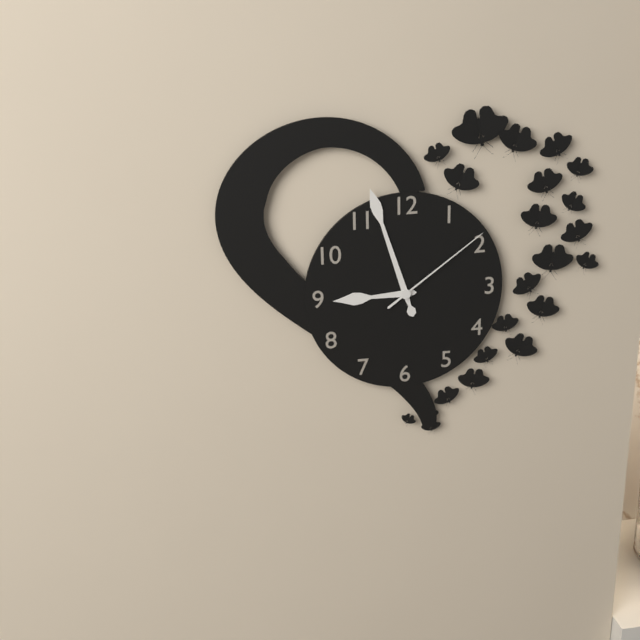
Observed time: 8h57m09s
